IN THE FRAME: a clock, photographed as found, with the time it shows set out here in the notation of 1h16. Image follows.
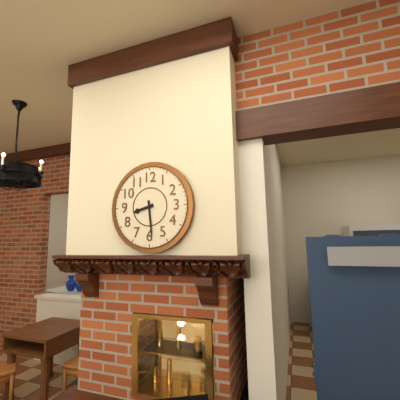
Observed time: 8h29
